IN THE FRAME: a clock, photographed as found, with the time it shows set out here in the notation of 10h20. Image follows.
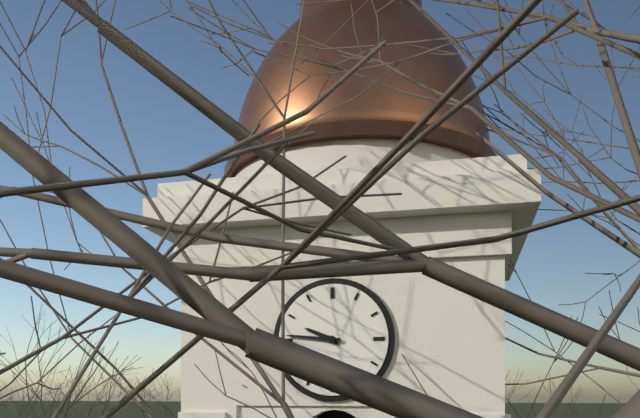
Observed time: 9h46
